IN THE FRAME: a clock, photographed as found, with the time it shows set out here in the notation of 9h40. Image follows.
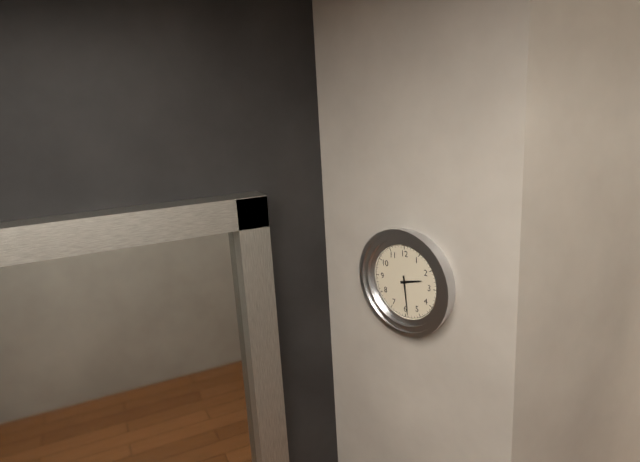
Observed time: 2h29
